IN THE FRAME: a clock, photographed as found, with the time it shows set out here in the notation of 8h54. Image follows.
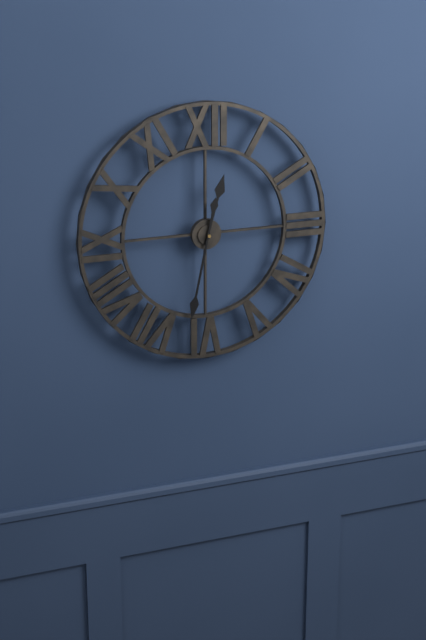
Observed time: 12h32
